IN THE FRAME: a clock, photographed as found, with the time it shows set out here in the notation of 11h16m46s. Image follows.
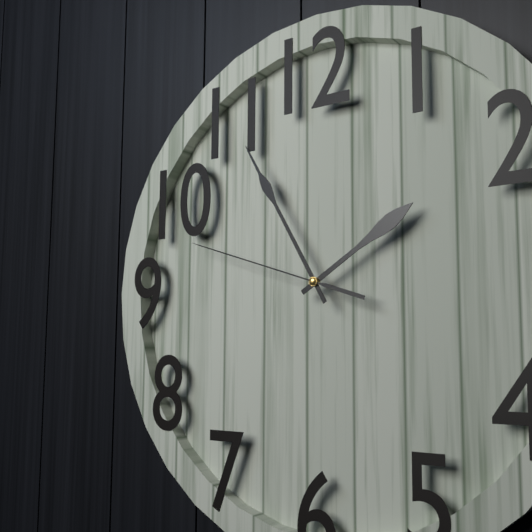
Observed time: 1h55m48s
